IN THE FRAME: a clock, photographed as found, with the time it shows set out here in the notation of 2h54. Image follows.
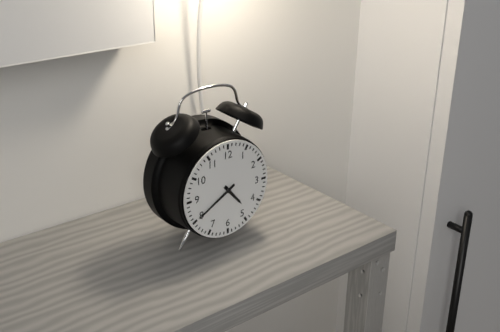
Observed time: 4h40
